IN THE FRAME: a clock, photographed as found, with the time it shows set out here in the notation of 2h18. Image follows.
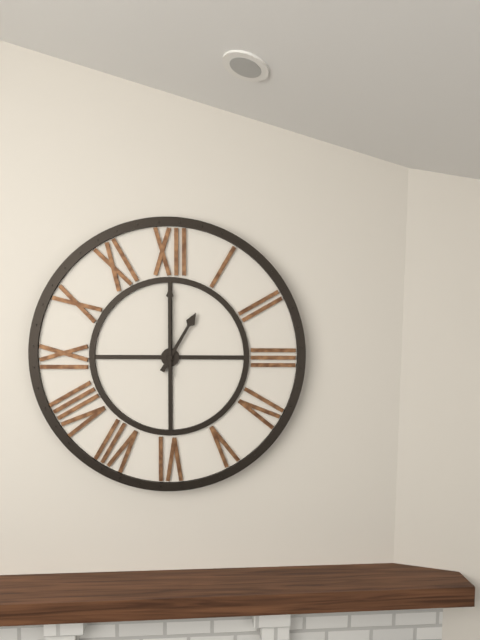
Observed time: 1h00
